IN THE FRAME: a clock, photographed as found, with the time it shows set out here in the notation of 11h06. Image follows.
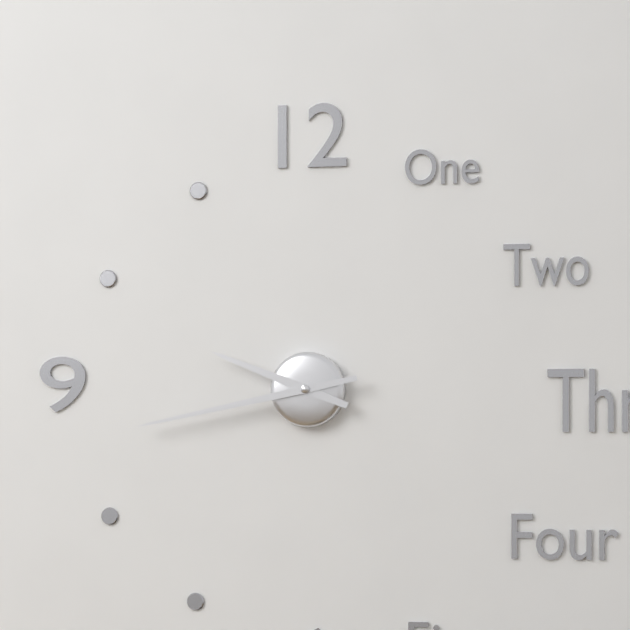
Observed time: 9h43
